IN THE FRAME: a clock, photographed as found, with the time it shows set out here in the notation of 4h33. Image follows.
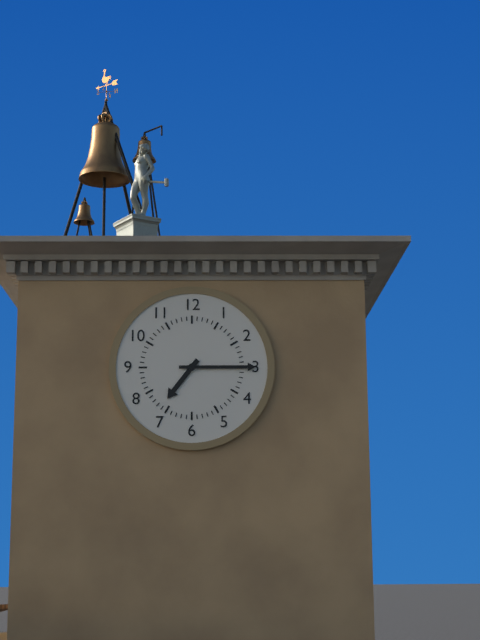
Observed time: 7h15
